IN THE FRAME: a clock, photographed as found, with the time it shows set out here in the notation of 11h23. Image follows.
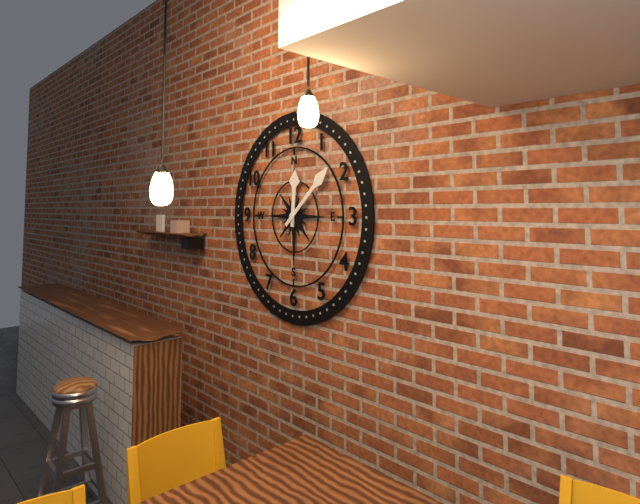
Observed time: 12h08
